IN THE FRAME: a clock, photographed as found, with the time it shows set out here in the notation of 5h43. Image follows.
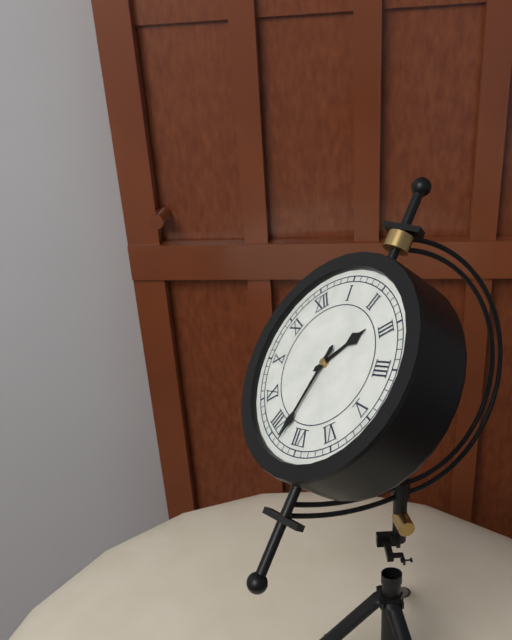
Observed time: 2h38
